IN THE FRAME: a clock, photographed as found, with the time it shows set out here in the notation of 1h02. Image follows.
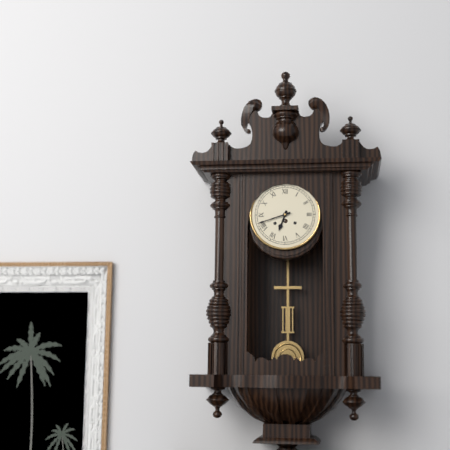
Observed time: 6h42
